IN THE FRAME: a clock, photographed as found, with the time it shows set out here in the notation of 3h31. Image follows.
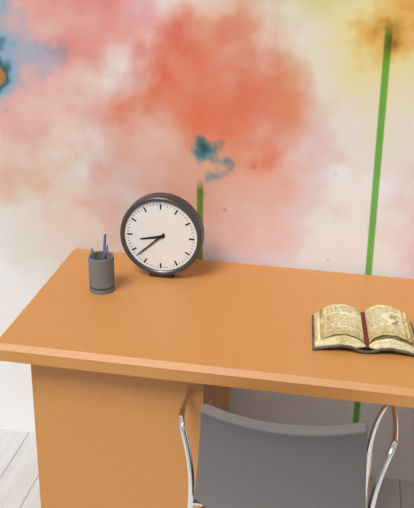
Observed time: 8h38
